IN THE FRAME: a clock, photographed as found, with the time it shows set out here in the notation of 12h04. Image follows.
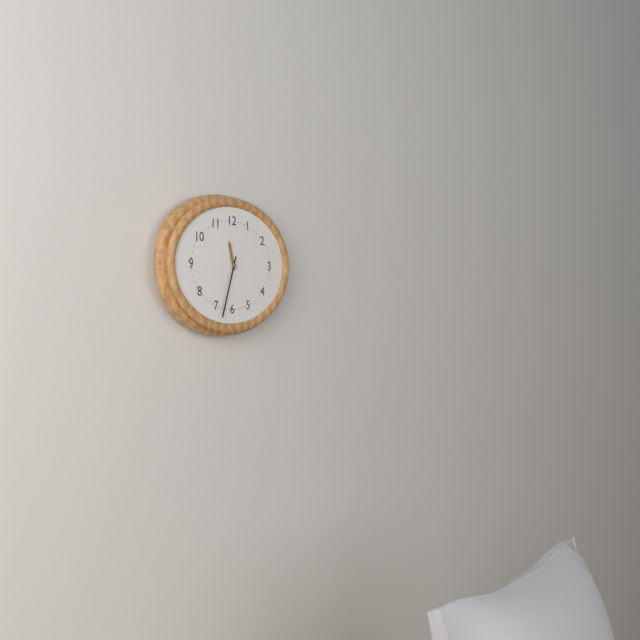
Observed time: 11h33
